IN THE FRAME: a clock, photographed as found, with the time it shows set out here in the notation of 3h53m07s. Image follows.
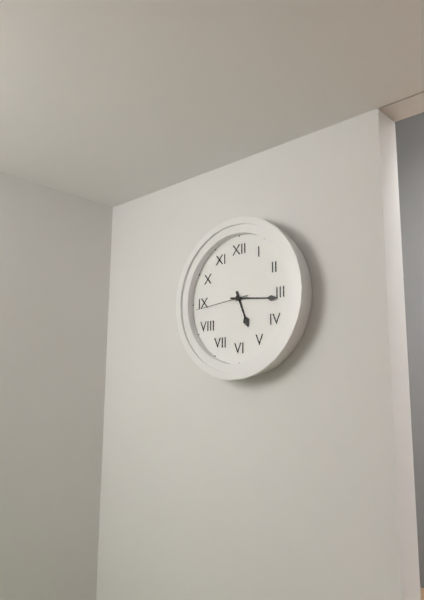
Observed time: 5h16m44s
